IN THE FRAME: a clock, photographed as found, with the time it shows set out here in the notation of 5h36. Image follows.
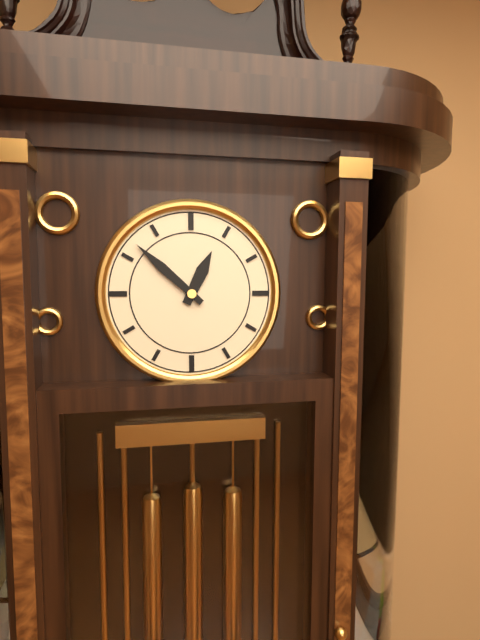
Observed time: 12h52
